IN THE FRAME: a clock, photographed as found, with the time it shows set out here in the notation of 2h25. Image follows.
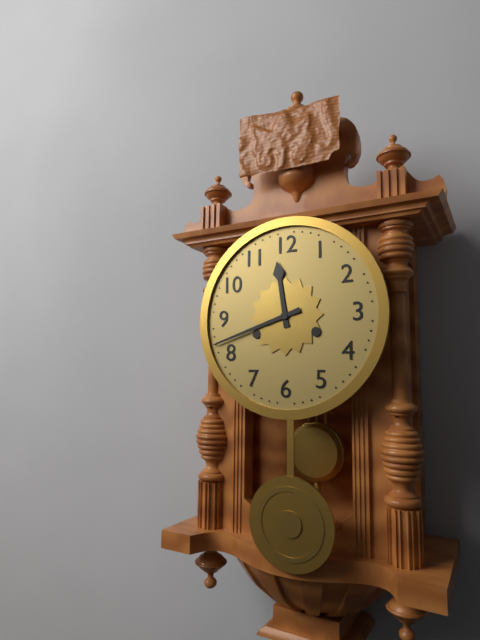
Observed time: 11h42
